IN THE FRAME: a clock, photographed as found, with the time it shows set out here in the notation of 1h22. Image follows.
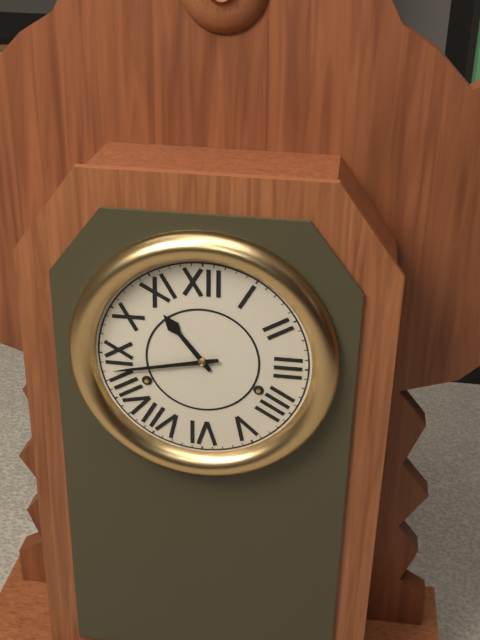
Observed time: 10h43
